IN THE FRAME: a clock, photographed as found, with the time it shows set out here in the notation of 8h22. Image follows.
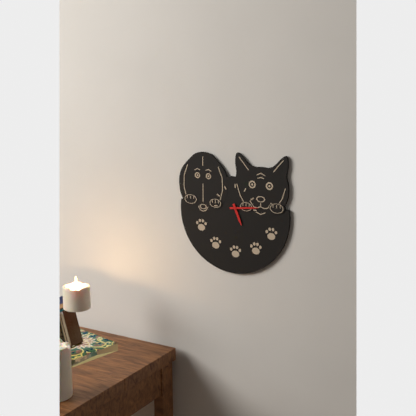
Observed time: 5h14
